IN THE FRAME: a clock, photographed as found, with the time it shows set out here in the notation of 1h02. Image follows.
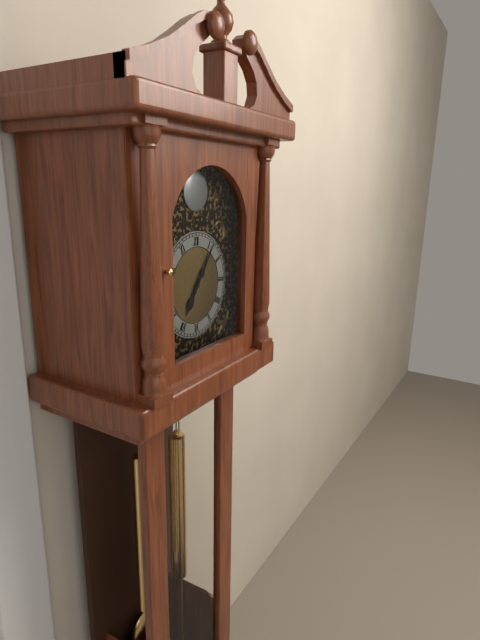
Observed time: 7h06
